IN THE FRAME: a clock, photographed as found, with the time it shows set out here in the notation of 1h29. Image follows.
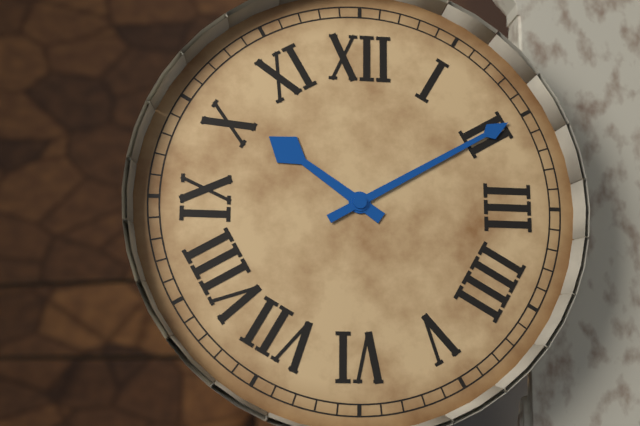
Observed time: 10h10
